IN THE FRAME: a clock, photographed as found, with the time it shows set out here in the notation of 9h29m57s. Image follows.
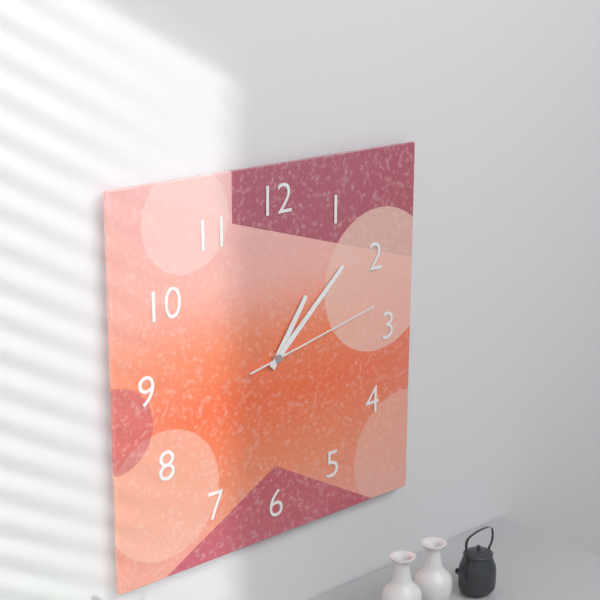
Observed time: 1h08m13s
